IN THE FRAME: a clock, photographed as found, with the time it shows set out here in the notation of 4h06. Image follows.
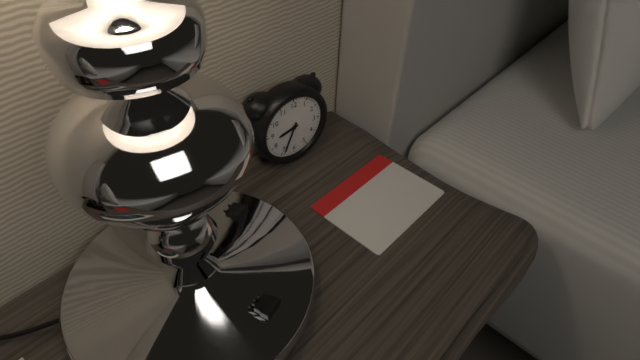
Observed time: 8h34
